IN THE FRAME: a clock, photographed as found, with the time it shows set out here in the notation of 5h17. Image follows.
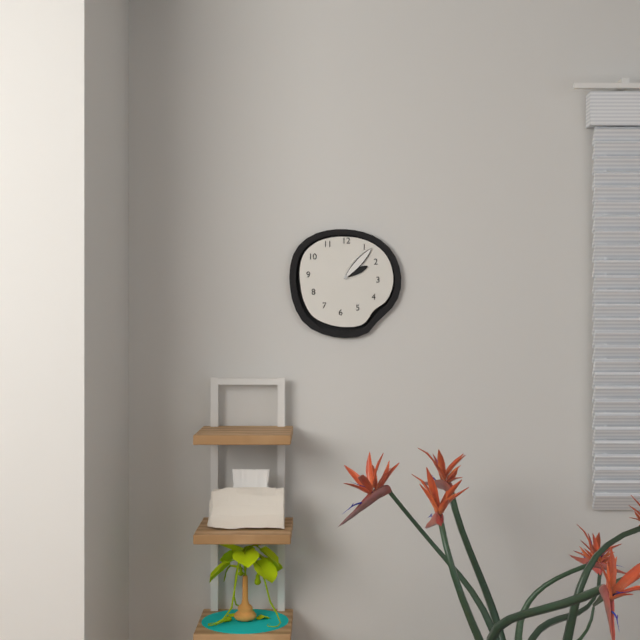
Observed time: 2h07
